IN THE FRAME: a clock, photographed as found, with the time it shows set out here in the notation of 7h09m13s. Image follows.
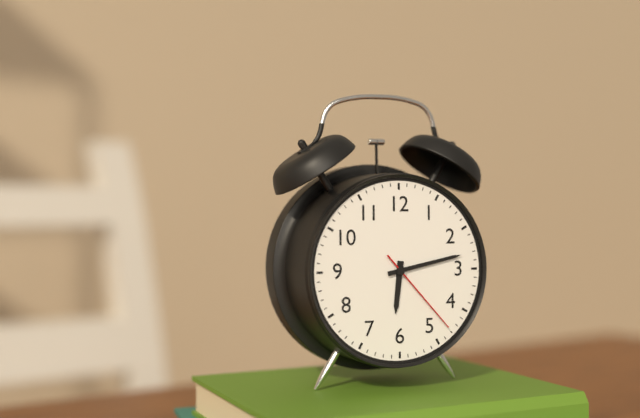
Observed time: 6h13m23s
